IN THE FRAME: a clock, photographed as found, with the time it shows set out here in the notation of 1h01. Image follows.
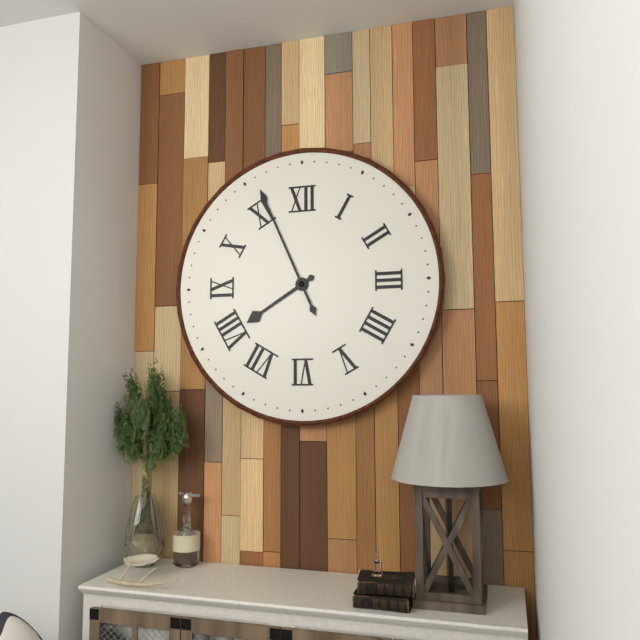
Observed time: 7h56
